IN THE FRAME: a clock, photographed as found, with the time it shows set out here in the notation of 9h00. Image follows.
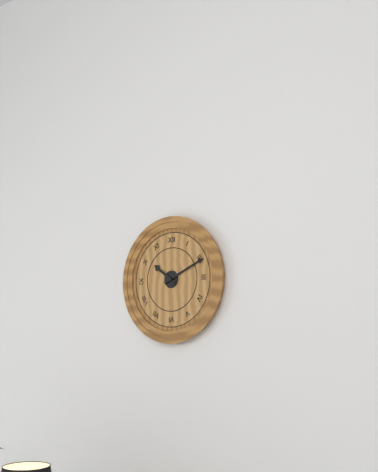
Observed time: 10h11
